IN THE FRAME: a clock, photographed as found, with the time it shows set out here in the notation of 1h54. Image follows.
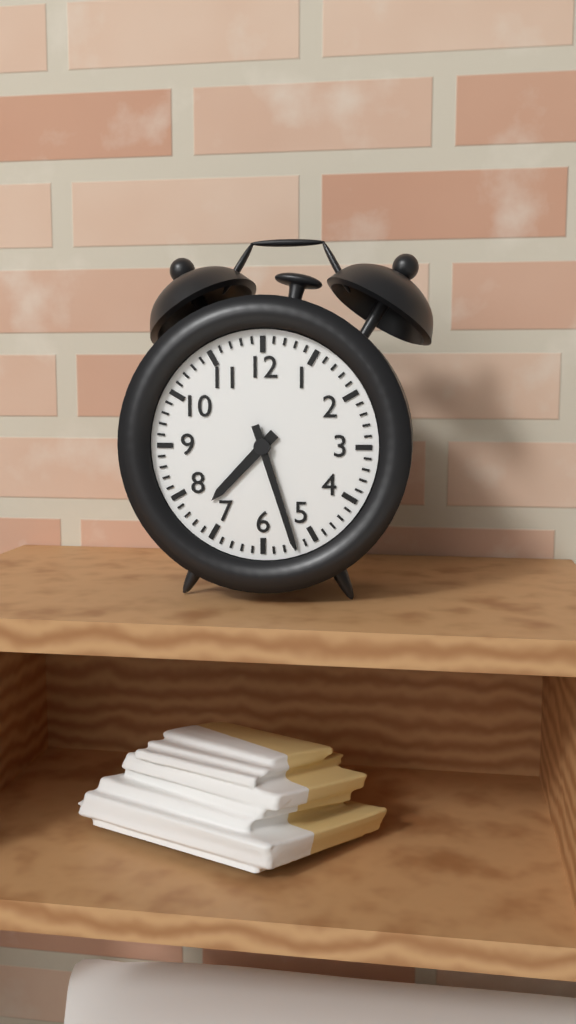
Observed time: 7h27
